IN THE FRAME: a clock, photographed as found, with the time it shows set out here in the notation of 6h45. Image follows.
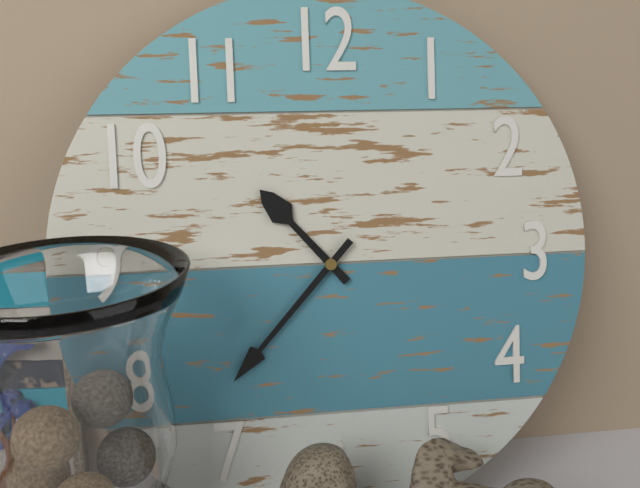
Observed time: 10h37
